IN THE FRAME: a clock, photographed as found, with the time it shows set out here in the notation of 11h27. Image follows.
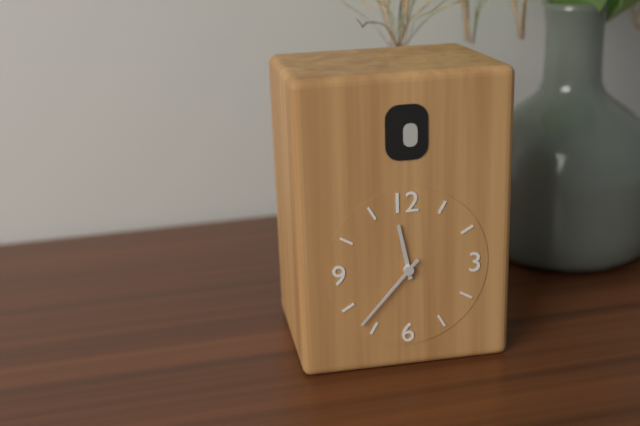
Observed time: 11h37
